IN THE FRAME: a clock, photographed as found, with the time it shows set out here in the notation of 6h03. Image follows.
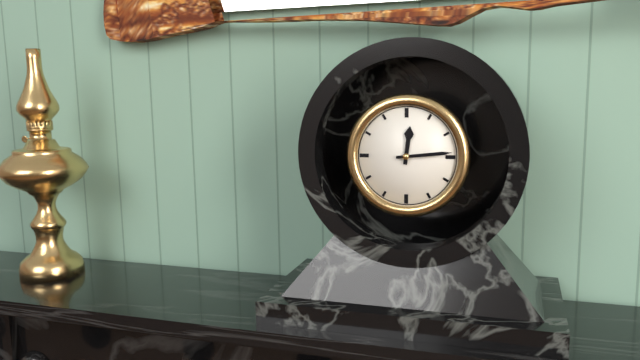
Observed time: 12h14
